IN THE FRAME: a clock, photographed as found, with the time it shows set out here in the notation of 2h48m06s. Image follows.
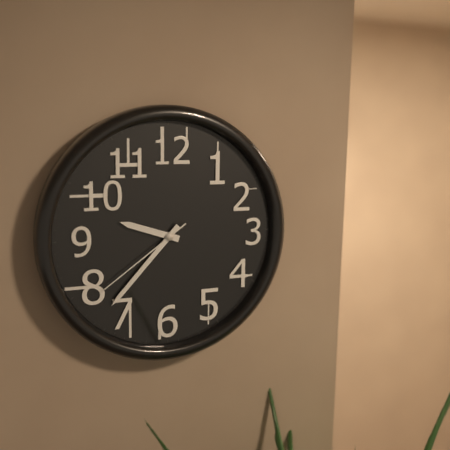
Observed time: 9h37m39s
